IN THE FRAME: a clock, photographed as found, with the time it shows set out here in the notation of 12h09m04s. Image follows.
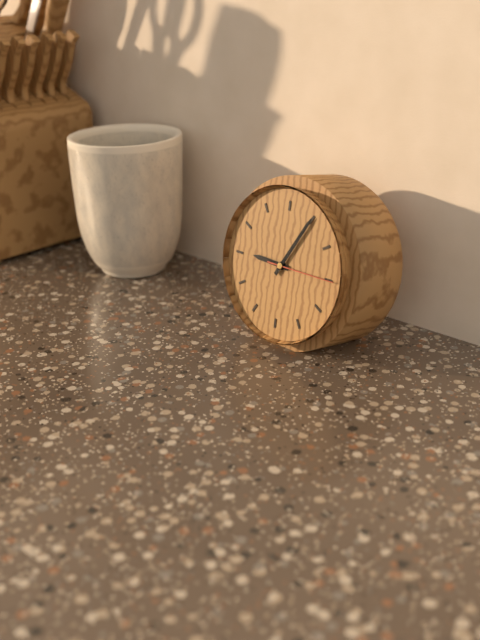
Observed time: 9h05m15s
